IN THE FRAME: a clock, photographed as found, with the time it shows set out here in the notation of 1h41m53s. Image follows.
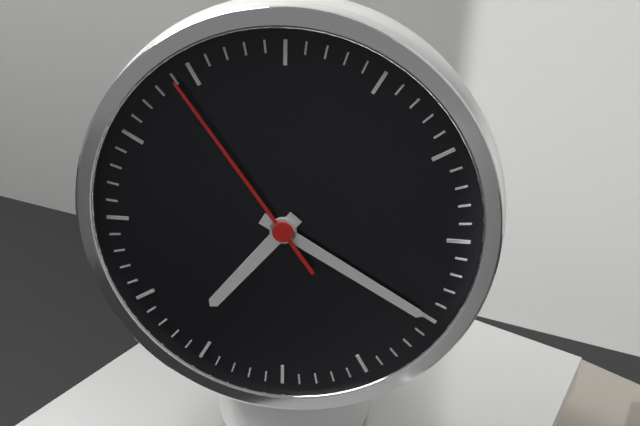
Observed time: 7h20m54s
